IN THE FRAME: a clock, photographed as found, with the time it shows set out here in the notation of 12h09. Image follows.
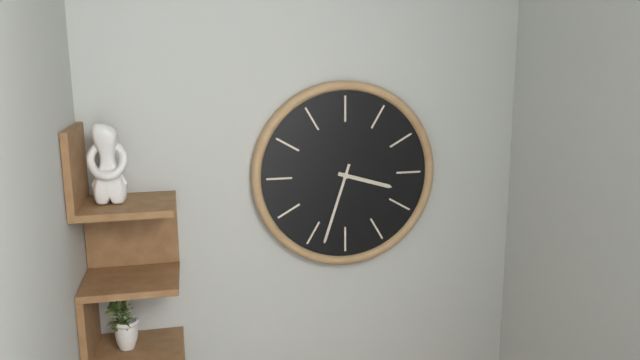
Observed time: 3h33
